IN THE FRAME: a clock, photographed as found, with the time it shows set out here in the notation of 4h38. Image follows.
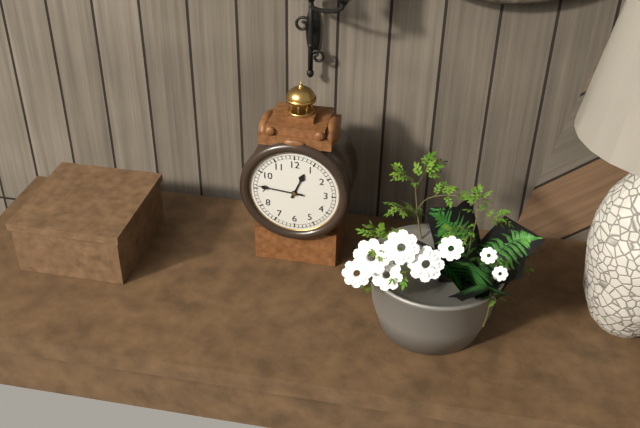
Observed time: 12h46
